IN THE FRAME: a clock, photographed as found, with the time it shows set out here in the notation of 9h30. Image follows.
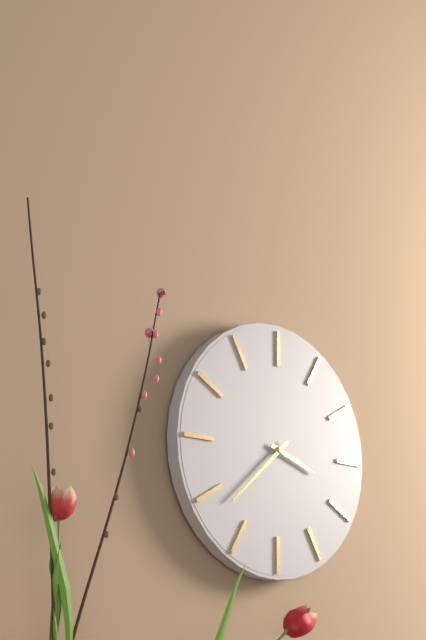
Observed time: 3h38
